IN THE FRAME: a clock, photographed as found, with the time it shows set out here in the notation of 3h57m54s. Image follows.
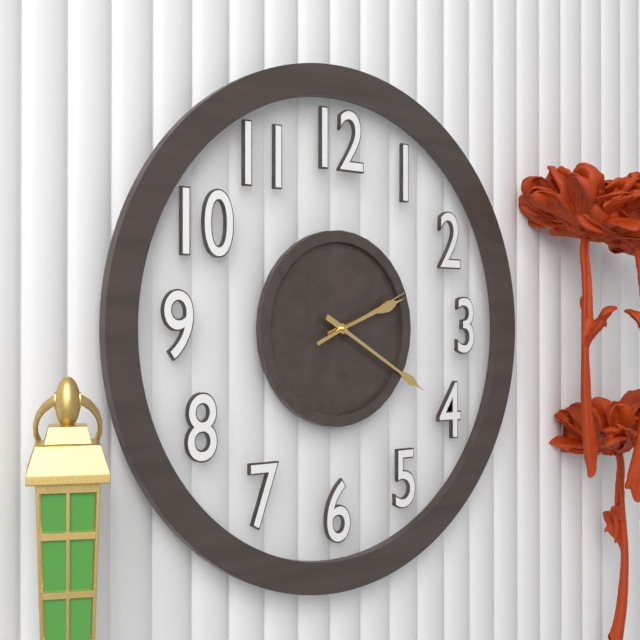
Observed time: 2h20m11s
